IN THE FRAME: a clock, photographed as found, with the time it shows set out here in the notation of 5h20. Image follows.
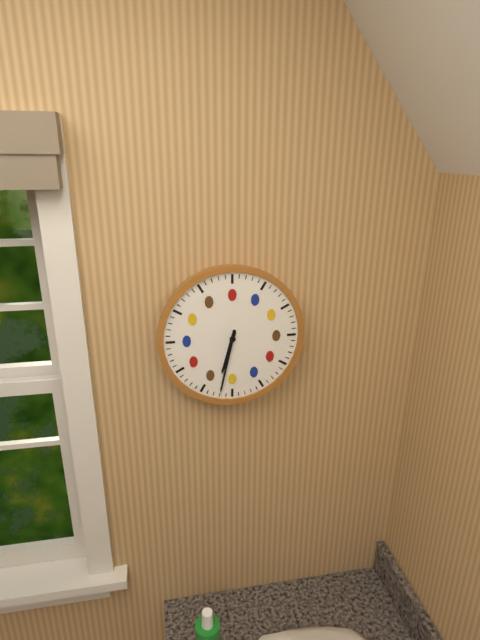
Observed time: 6h32
